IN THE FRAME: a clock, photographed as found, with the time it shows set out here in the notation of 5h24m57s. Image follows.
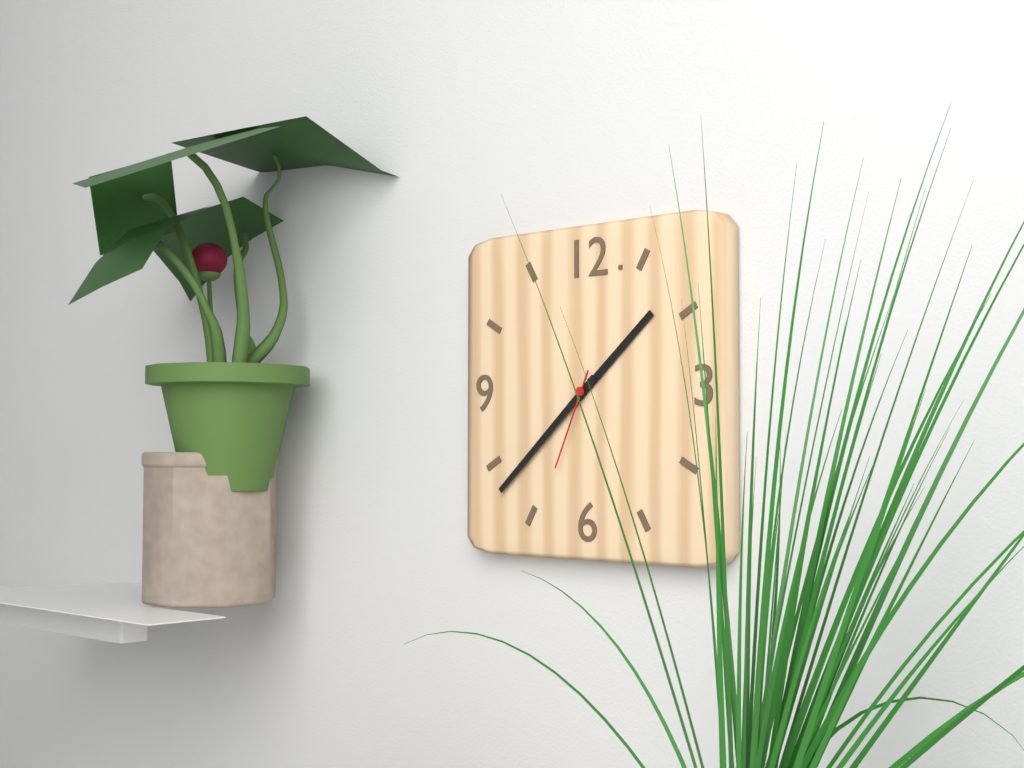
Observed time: 1h38m34s
